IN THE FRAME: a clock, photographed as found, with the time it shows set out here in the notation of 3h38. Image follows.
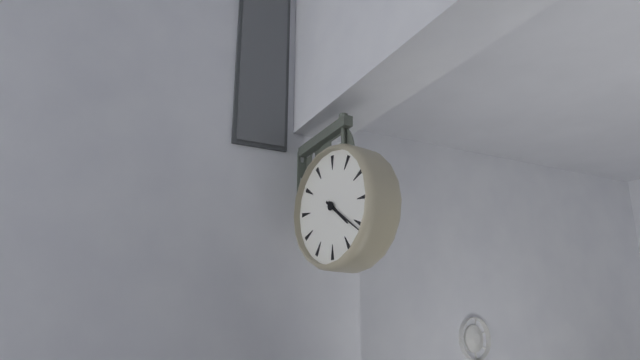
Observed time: 4h21
